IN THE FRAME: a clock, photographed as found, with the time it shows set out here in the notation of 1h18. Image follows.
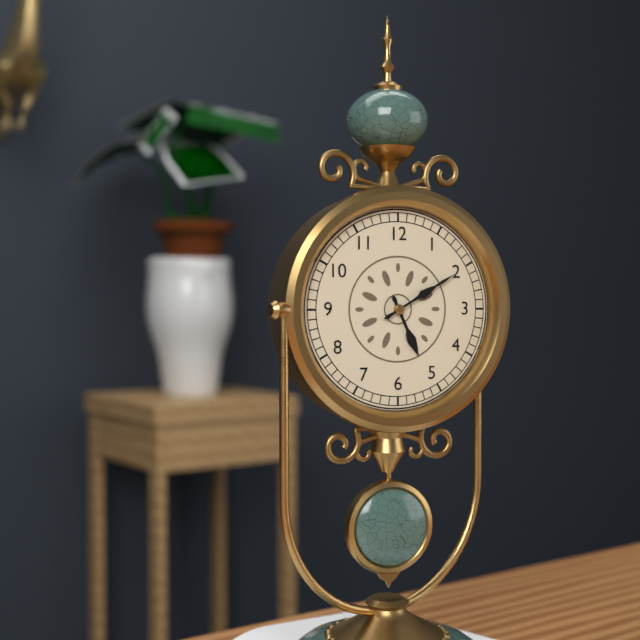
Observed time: 5h10
